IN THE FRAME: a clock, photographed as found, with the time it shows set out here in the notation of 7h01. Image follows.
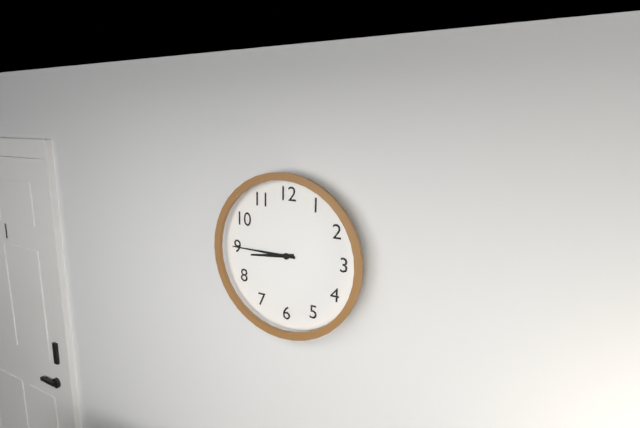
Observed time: 8h45
